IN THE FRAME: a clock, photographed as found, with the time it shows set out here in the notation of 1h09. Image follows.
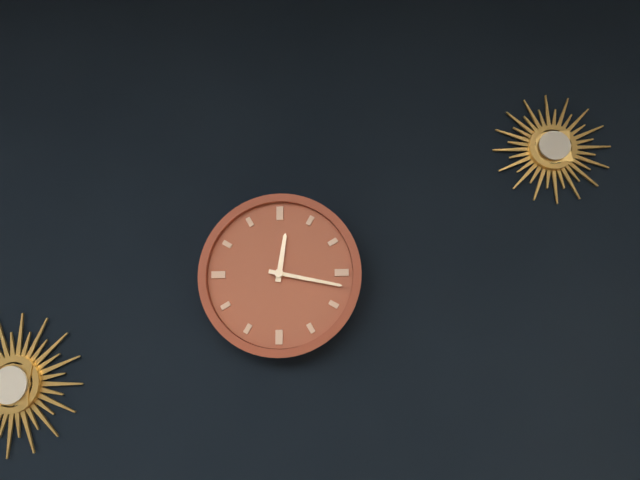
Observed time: 12h17
